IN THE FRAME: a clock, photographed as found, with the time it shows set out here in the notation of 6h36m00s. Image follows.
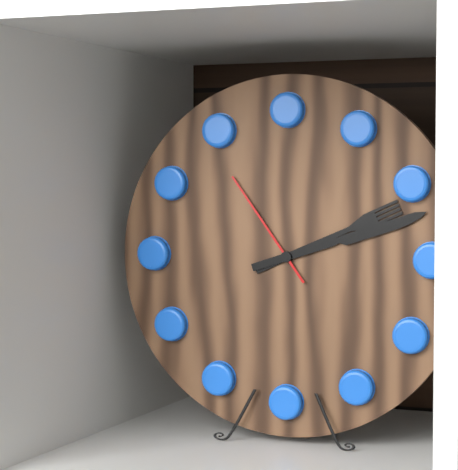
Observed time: 2h12m54s
